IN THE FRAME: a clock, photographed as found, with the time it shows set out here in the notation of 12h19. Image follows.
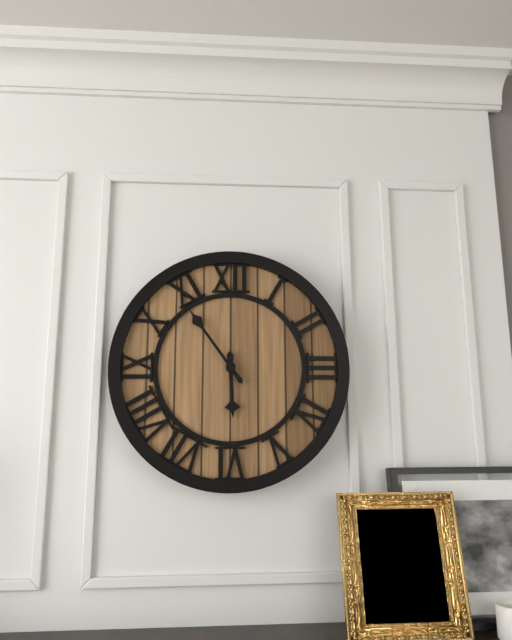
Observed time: 5h54
